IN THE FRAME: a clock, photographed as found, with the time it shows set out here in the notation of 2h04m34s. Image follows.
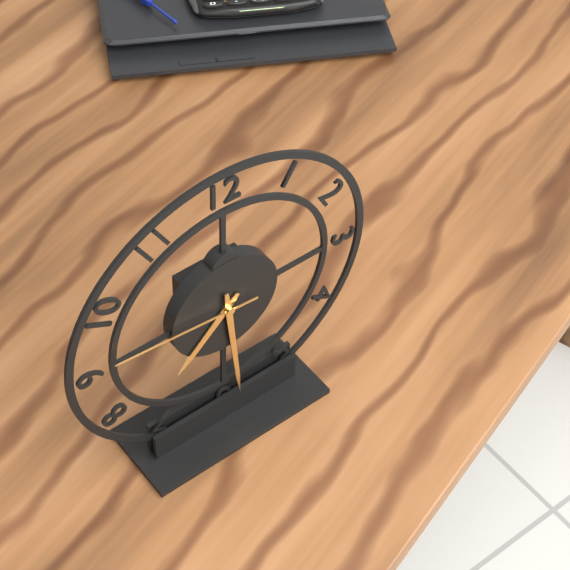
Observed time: 7h29m46s
